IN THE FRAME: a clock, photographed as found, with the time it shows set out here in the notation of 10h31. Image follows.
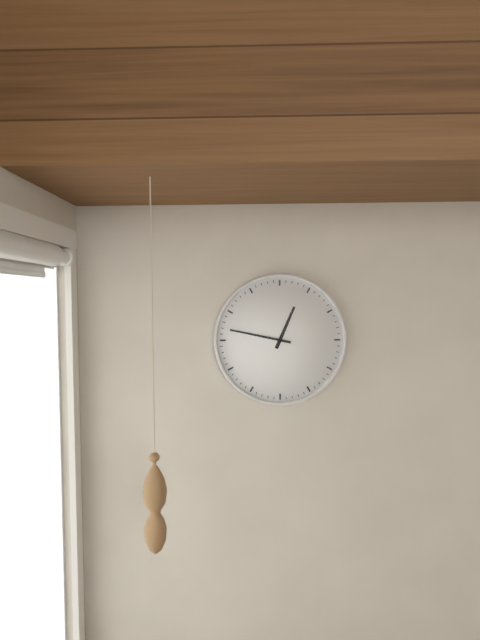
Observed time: 12h47
